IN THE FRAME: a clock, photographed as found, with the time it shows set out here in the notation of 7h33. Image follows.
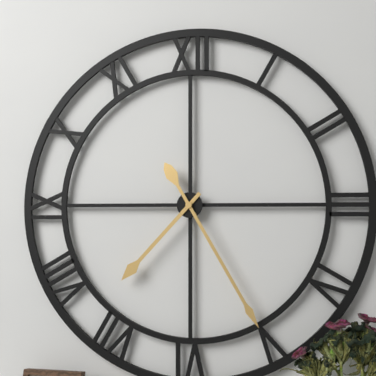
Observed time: 7h25
